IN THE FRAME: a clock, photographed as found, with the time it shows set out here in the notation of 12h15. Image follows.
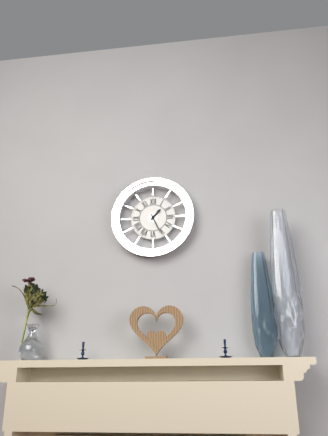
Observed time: 1h26
